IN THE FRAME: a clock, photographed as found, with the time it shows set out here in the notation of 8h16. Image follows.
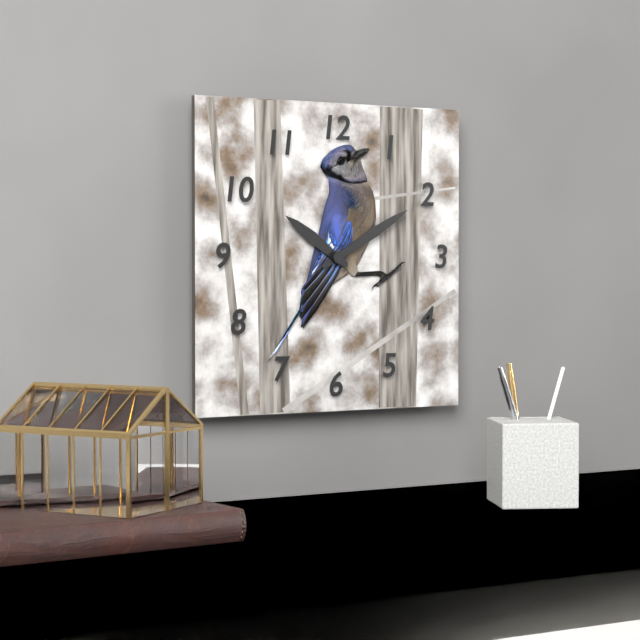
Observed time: 10h10
